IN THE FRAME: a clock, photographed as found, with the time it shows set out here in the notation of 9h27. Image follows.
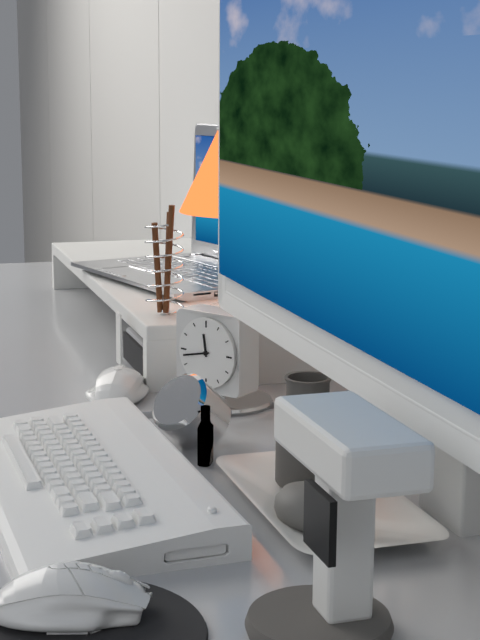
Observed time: 11h43
